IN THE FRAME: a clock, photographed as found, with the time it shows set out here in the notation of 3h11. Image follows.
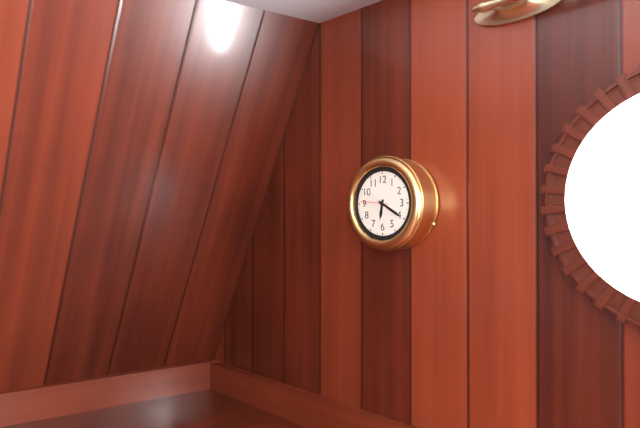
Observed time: 6h20
